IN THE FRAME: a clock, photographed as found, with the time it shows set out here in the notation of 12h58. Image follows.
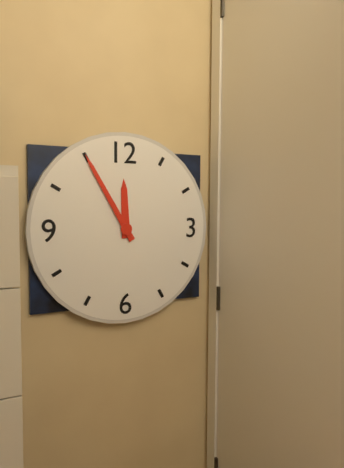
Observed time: 11h55
